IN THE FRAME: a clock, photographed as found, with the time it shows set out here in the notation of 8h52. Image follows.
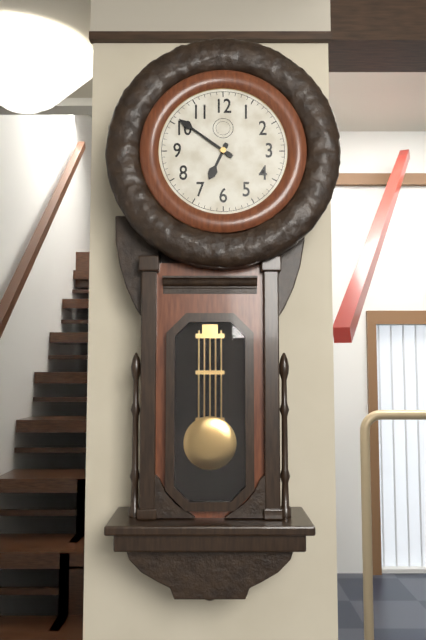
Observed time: 6h51
